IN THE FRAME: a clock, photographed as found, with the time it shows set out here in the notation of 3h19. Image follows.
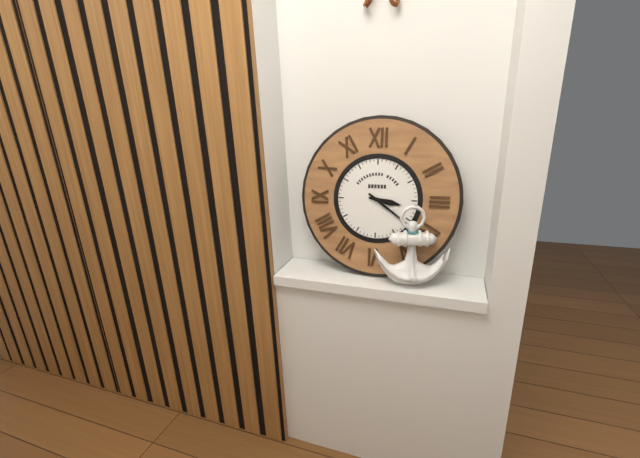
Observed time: 3h21
